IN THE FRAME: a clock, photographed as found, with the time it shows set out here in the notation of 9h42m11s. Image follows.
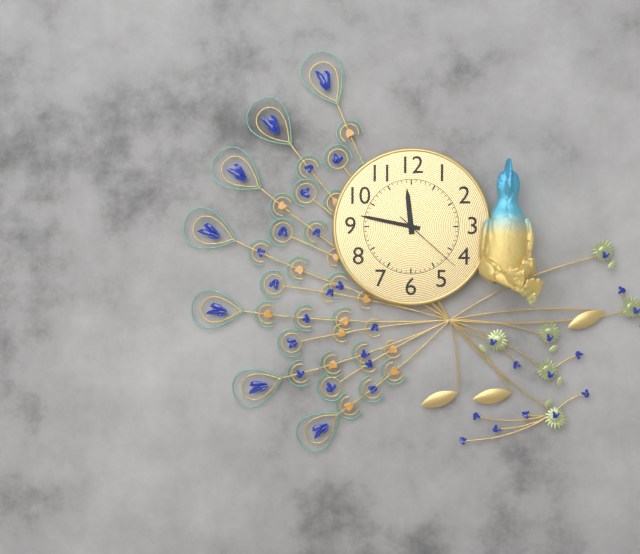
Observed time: 11h47m22s
